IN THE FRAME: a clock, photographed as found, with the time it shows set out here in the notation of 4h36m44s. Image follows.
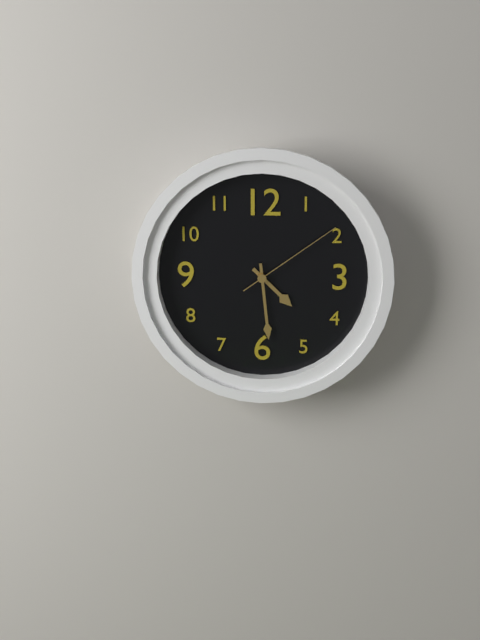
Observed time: 4h29m09s
